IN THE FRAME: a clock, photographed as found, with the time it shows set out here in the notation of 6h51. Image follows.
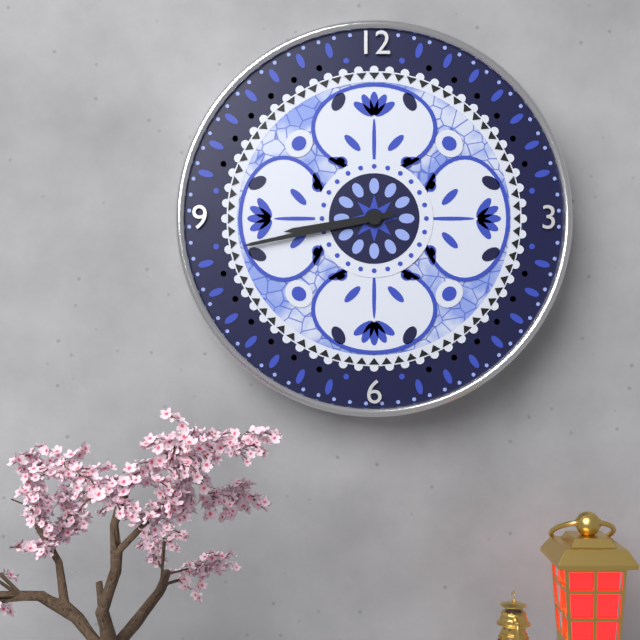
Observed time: 8h43
